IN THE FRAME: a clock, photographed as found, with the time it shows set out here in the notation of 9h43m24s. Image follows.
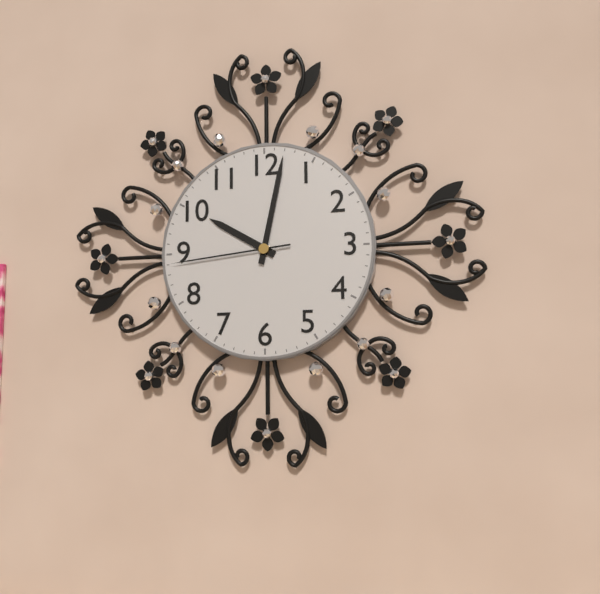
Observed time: 10h02m44s
